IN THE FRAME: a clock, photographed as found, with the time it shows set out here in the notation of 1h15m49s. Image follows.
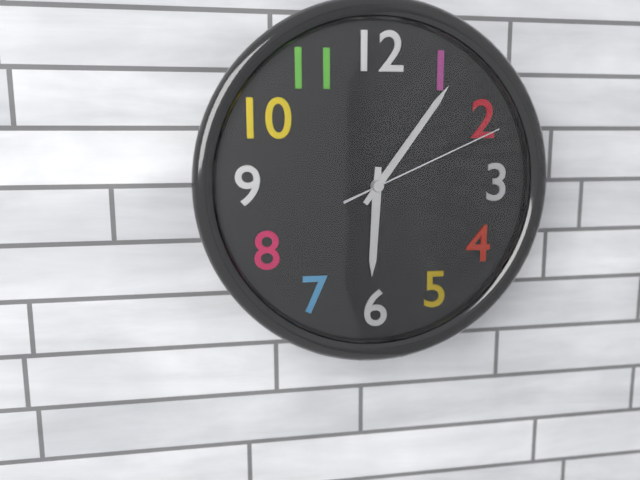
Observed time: 6h06m11s
